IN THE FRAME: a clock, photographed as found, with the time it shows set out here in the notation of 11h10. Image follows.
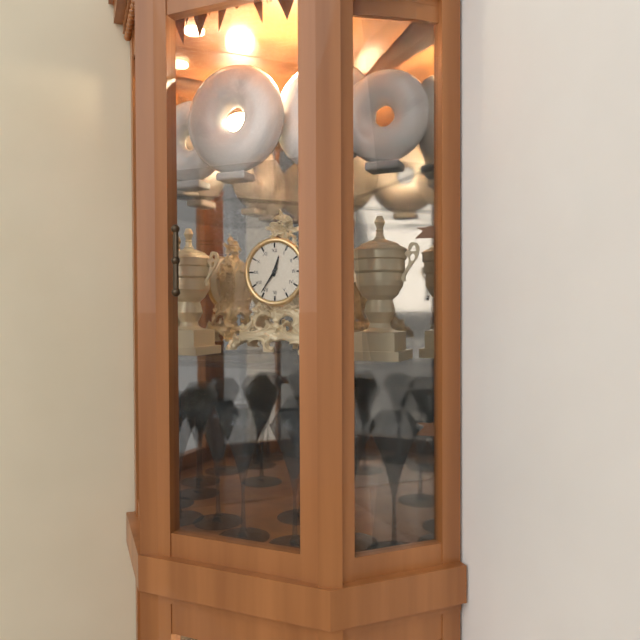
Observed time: 12h36
